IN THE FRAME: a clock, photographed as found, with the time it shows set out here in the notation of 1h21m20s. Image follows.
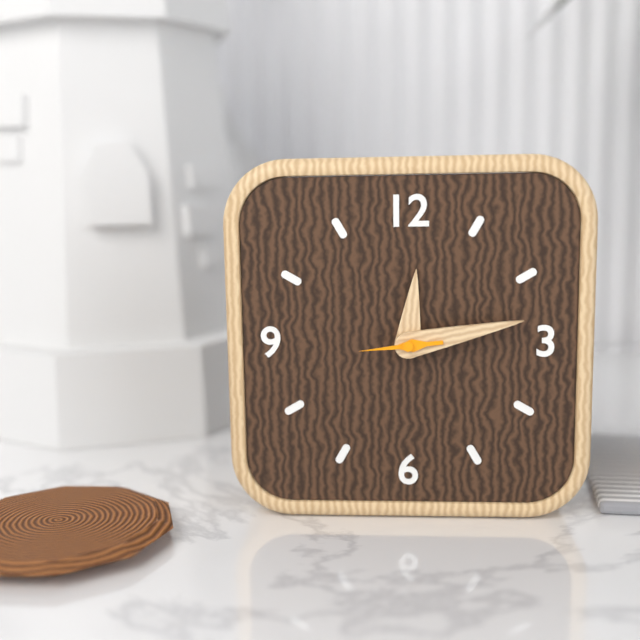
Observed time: 12h13m44s
